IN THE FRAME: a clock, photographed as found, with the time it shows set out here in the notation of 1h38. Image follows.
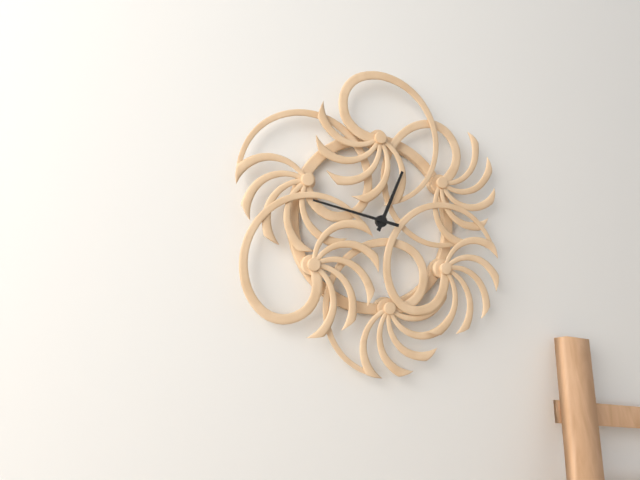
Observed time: 12h47
